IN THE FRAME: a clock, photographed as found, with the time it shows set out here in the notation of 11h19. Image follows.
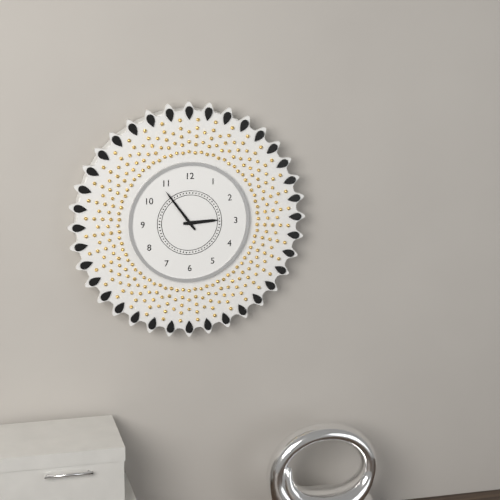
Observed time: 2h54
